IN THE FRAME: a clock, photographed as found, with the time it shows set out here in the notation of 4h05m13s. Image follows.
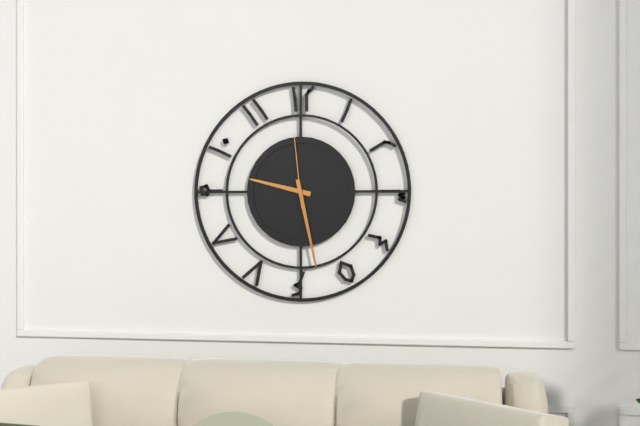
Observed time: 9h28m59s
